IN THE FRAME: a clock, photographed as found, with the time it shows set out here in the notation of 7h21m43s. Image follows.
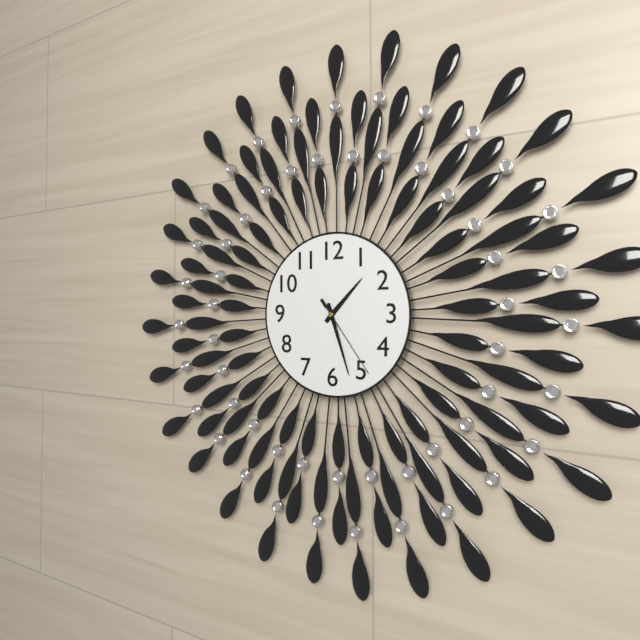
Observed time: 1h27m24s
